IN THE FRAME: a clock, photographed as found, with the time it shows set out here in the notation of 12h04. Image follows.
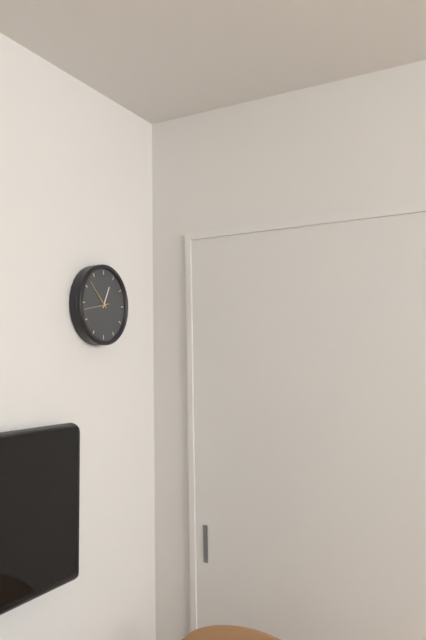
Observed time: 12h52
